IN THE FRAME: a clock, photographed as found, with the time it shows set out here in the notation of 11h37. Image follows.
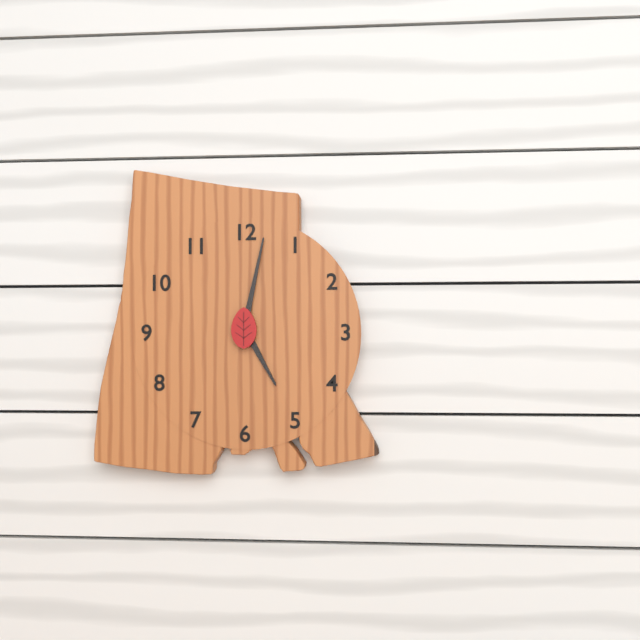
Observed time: 5h02
